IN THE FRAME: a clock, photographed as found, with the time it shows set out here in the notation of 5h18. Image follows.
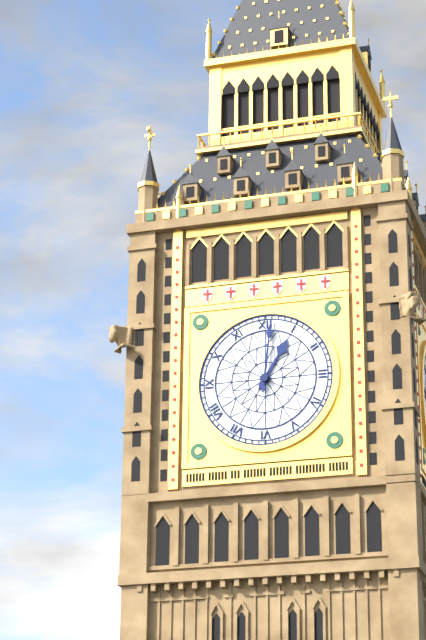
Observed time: 1h01
